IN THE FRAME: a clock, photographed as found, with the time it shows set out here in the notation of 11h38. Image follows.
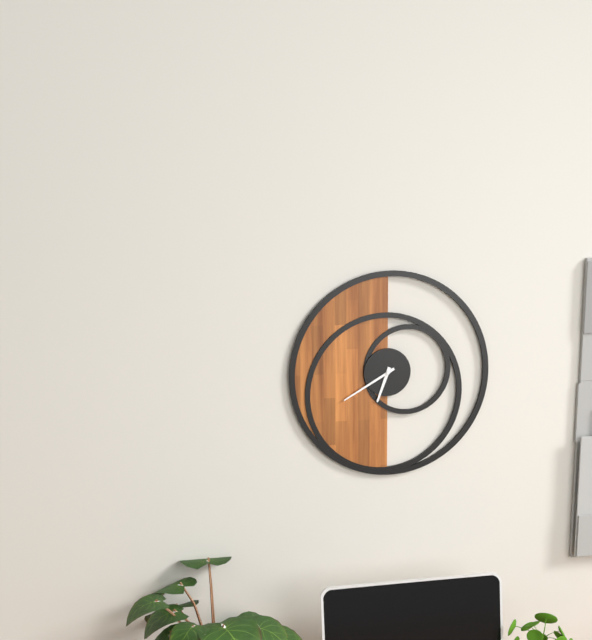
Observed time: 6h40
